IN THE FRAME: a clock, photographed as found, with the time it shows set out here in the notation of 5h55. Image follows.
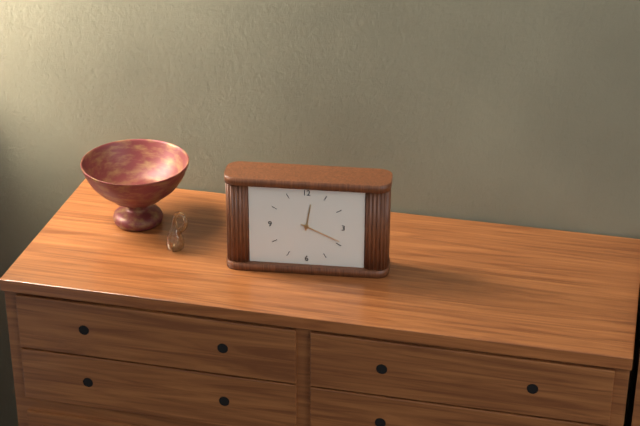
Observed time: 12h19
